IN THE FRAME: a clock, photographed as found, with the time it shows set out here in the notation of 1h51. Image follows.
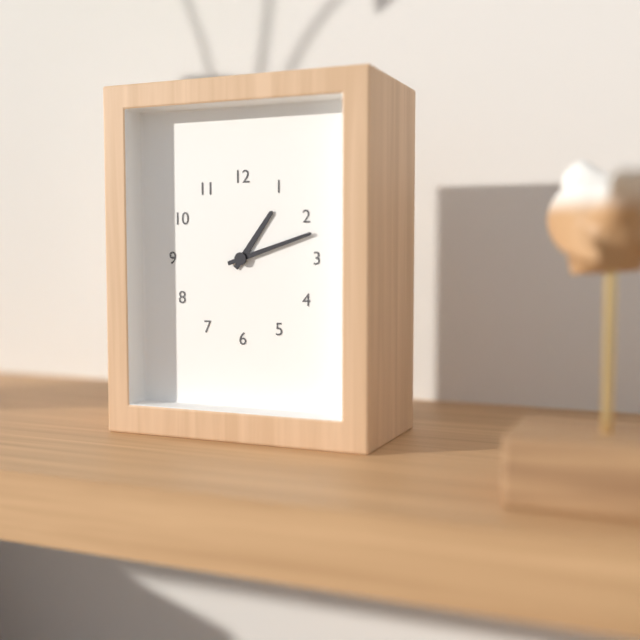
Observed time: 1h12
